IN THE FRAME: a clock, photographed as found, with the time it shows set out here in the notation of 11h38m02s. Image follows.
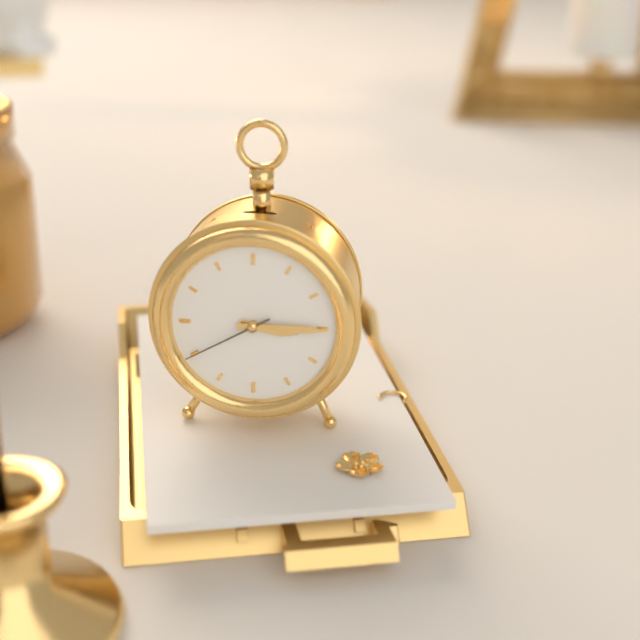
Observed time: 3h15m40s
